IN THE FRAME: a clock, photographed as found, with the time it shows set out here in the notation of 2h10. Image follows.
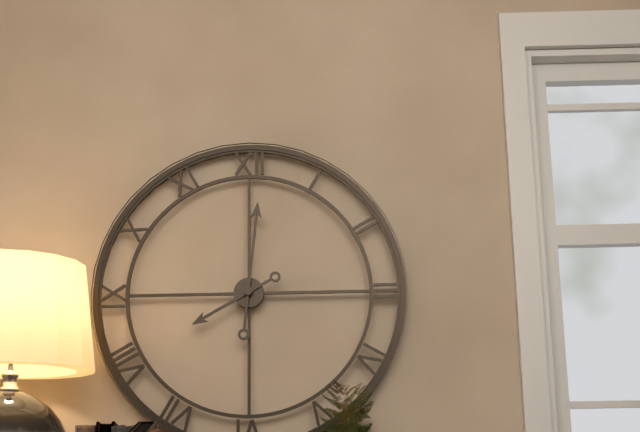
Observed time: 8h01
